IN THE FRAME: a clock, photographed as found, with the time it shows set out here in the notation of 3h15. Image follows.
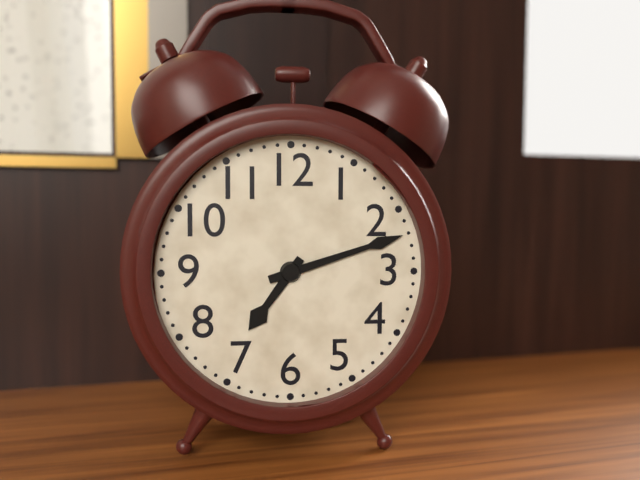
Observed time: 7h12
